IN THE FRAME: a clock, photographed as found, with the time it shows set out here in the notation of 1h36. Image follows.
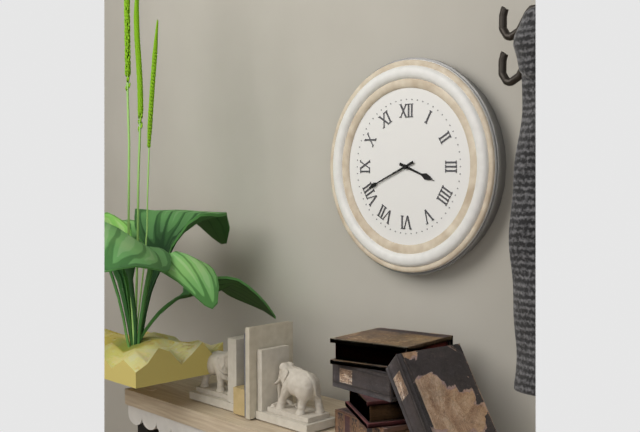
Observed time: 3h41
